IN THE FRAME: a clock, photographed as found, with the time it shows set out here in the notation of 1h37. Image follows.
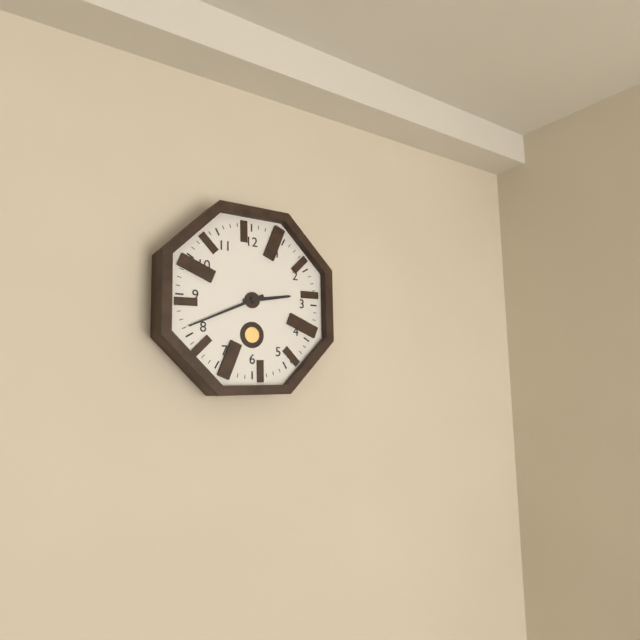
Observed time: 2h41
